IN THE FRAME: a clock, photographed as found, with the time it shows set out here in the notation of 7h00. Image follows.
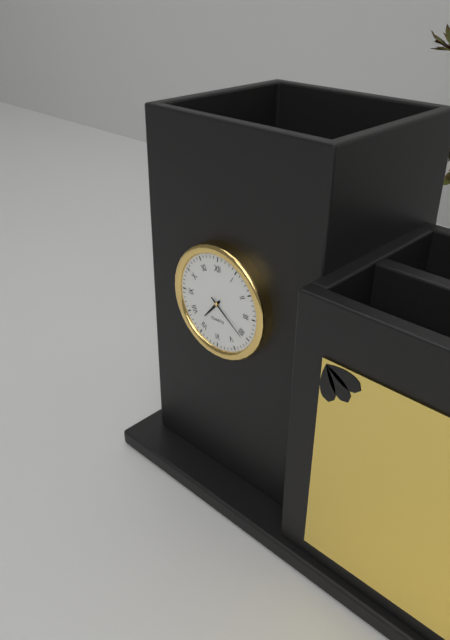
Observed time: 7h21
